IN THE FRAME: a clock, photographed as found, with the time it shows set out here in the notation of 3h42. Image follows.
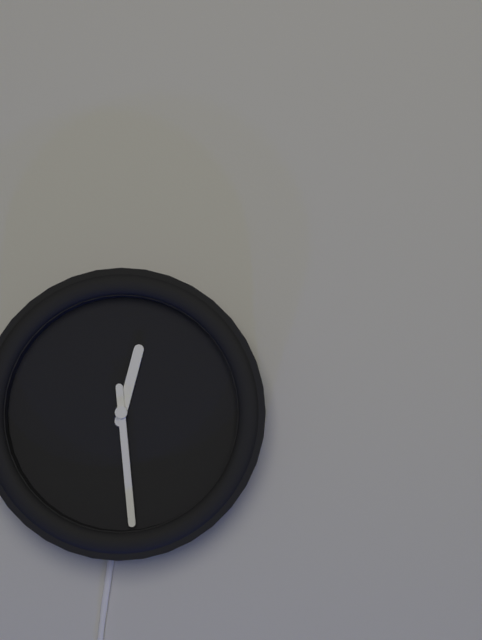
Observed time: 12h29
